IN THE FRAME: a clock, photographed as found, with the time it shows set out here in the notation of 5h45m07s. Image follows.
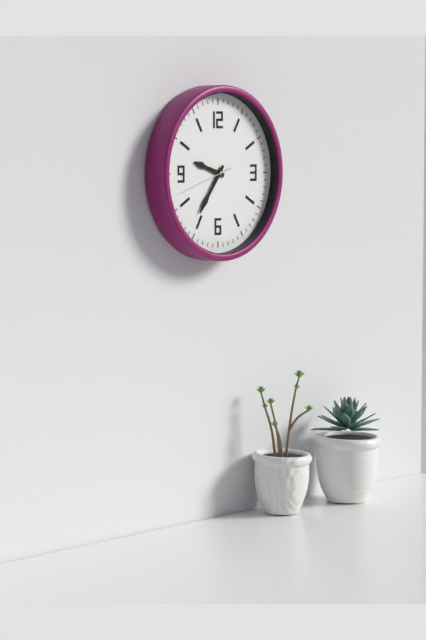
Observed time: 9h36m42s
